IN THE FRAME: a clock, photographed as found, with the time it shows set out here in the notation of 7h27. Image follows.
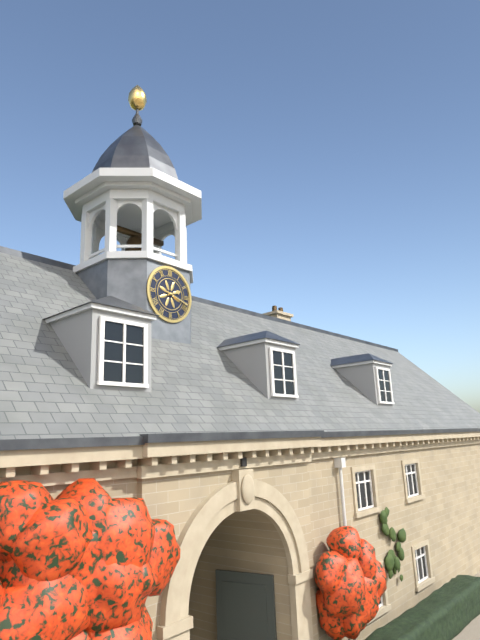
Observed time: 2h18
